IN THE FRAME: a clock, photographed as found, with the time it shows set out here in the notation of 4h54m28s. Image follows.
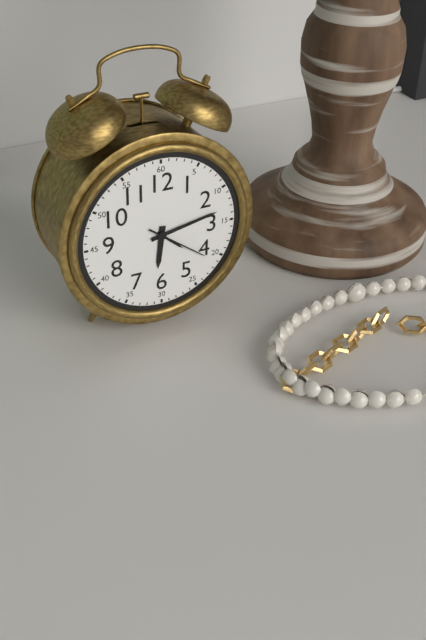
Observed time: 6h13m21s
